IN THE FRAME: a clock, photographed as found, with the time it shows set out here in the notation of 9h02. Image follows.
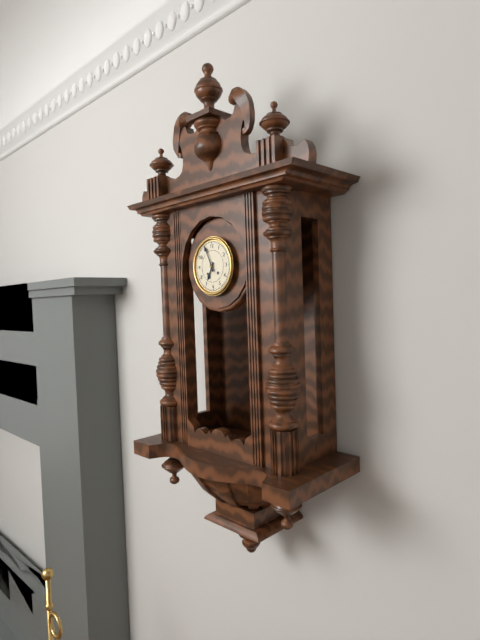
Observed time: 6h56
